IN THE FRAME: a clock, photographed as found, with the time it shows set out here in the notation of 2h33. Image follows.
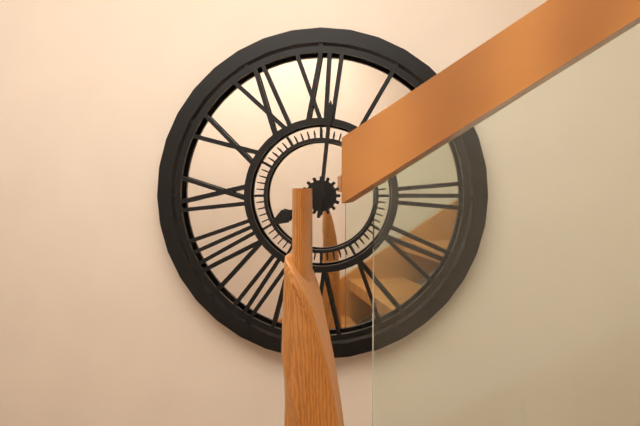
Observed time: 8h01
